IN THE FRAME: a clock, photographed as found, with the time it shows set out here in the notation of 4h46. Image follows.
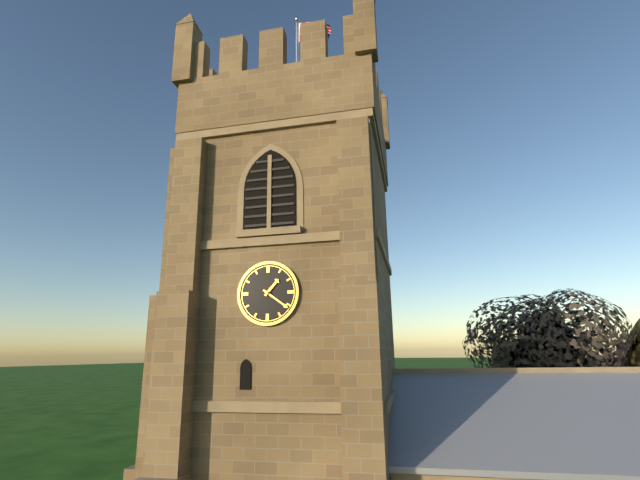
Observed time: 1h21
